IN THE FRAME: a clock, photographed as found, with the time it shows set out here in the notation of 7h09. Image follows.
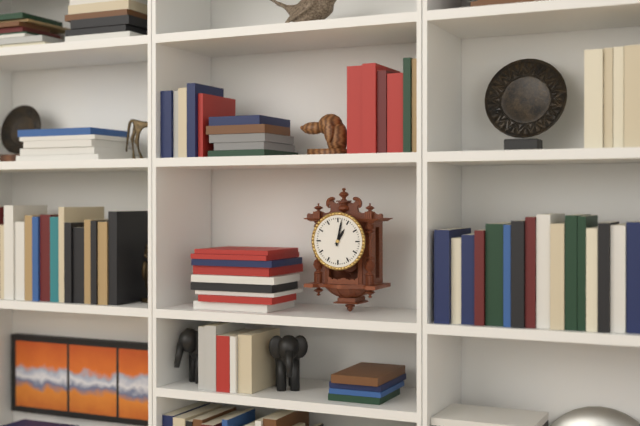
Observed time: 1h02
